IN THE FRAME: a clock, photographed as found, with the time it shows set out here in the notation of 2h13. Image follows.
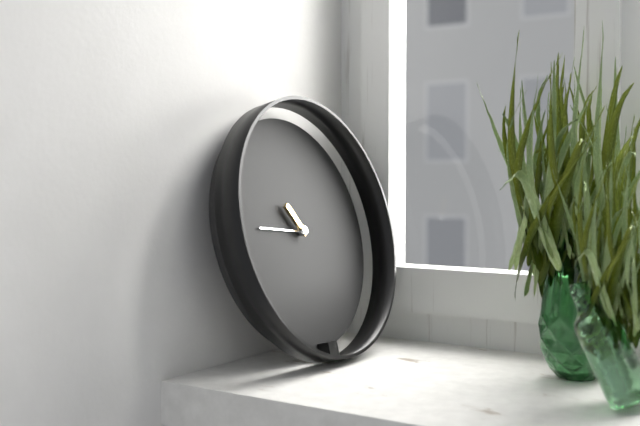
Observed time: 10h46
